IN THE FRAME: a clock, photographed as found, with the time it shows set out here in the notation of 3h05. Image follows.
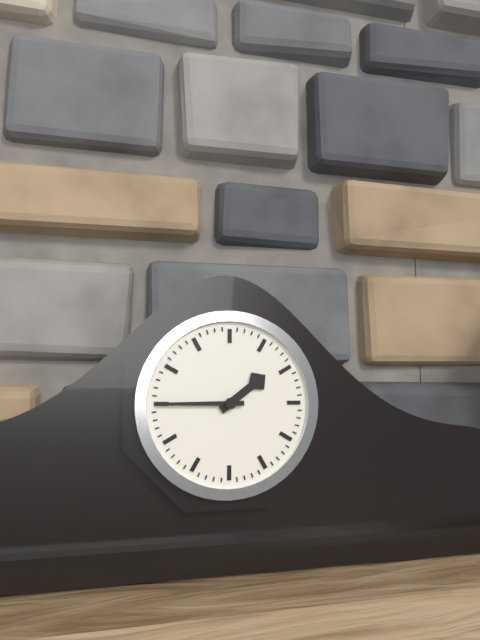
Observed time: 1h45
